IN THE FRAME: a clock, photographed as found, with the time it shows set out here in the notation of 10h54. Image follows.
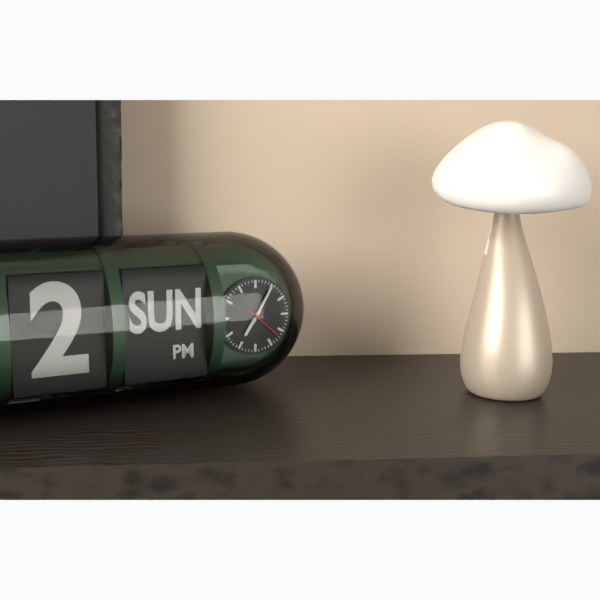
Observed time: 7h05
